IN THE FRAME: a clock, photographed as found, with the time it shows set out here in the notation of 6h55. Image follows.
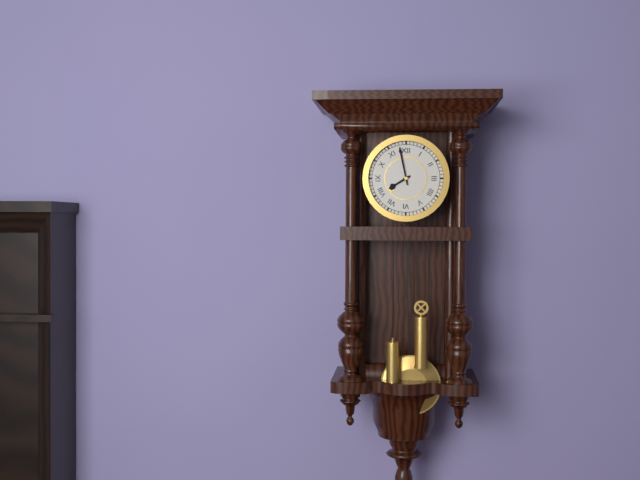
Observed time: 7h58
